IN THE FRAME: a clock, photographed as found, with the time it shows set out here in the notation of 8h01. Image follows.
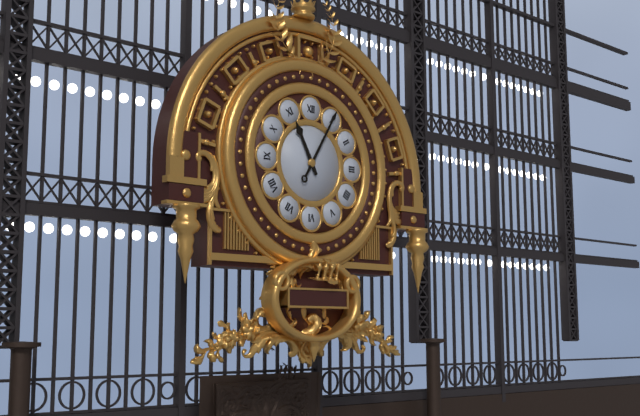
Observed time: 11h05
